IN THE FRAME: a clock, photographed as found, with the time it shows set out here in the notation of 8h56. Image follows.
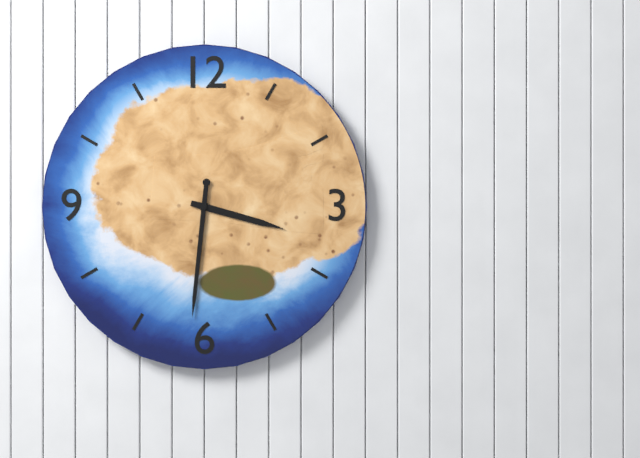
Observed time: 3h31
